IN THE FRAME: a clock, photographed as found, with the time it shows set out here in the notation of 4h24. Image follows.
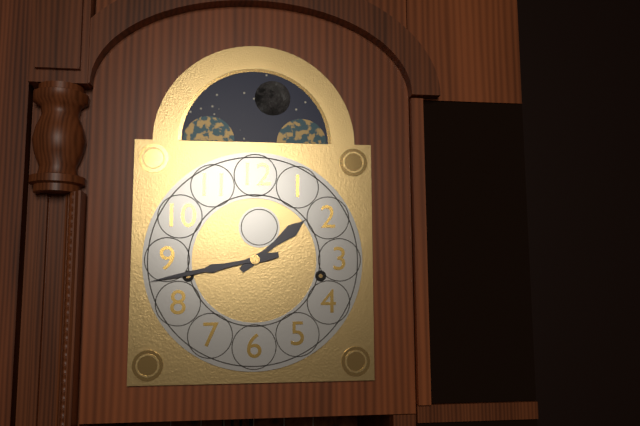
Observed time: 1h43
